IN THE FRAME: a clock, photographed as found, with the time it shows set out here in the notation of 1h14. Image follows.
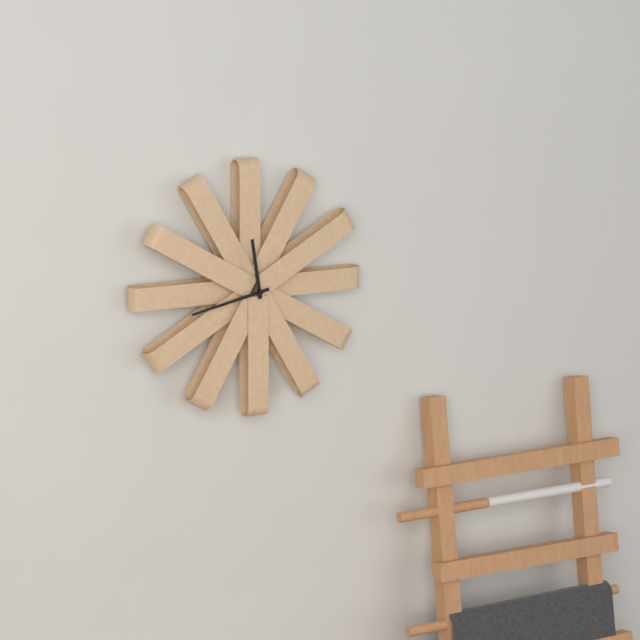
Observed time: 11h43
